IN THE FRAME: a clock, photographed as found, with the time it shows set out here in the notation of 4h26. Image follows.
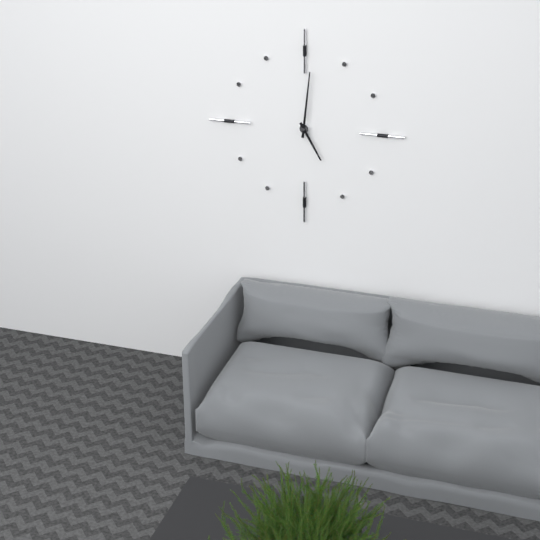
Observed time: 5h01
